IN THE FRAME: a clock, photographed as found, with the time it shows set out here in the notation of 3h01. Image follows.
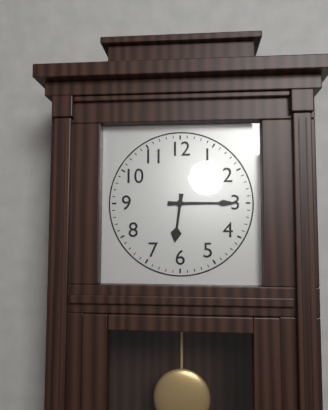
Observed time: 6h15
